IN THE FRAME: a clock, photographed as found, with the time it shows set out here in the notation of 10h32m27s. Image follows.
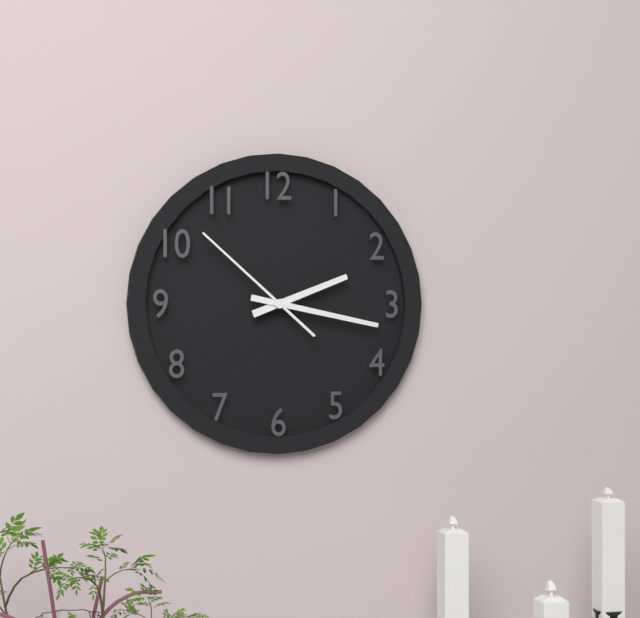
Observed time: 2h17m52s
